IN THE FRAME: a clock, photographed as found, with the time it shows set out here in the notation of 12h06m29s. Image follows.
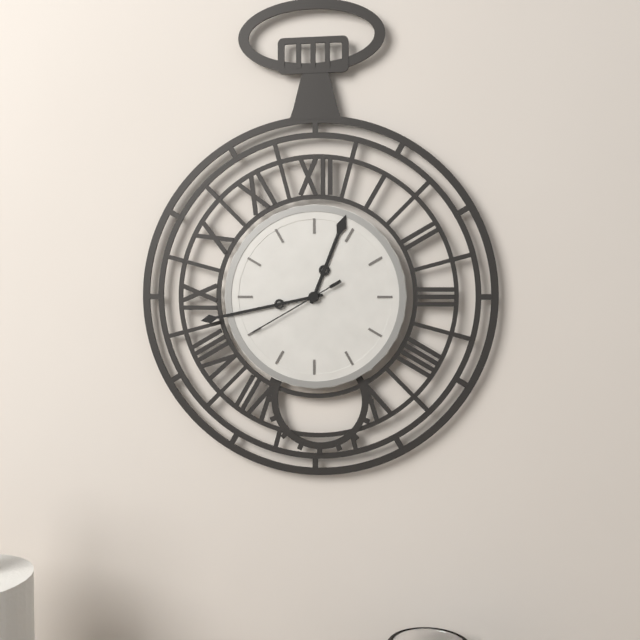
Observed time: 12h43m40s
